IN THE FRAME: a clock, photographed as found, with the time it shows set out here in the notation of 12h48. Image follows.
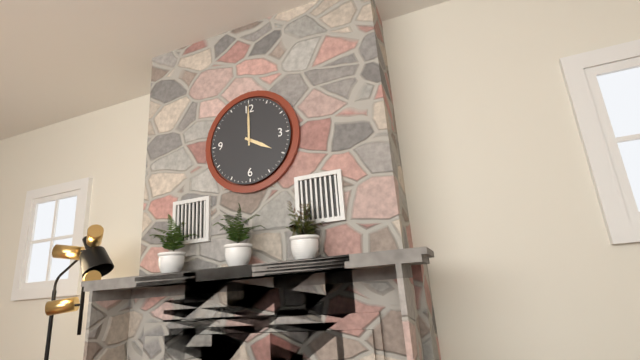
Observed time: 4h00
